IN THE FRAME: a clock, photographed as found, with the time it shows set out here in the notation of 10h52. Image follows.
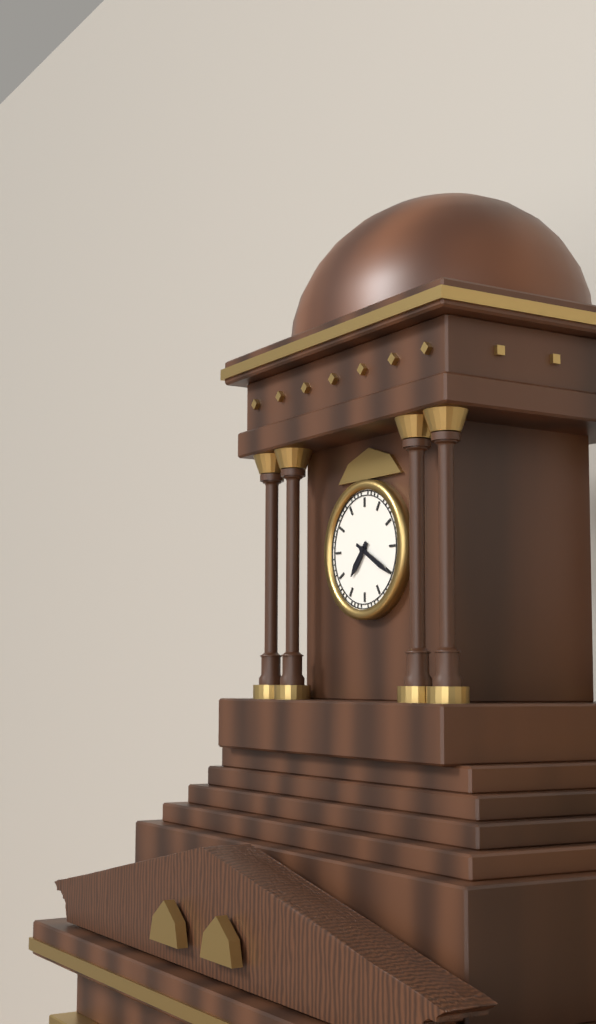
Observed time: 7h20
